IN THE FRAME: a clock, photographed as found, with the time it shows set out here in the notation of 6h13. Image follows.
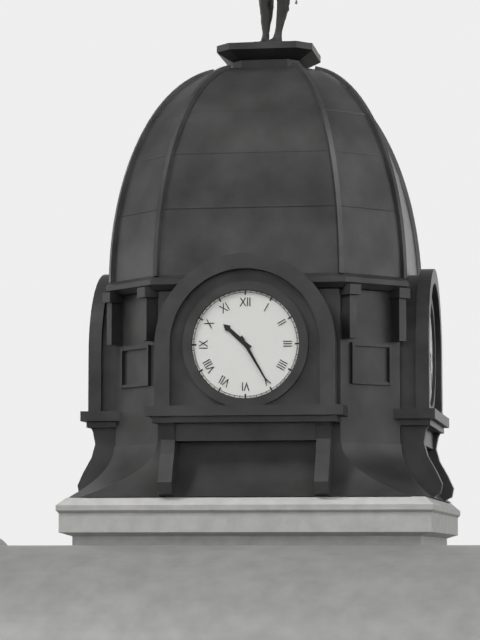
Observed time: 10h25
